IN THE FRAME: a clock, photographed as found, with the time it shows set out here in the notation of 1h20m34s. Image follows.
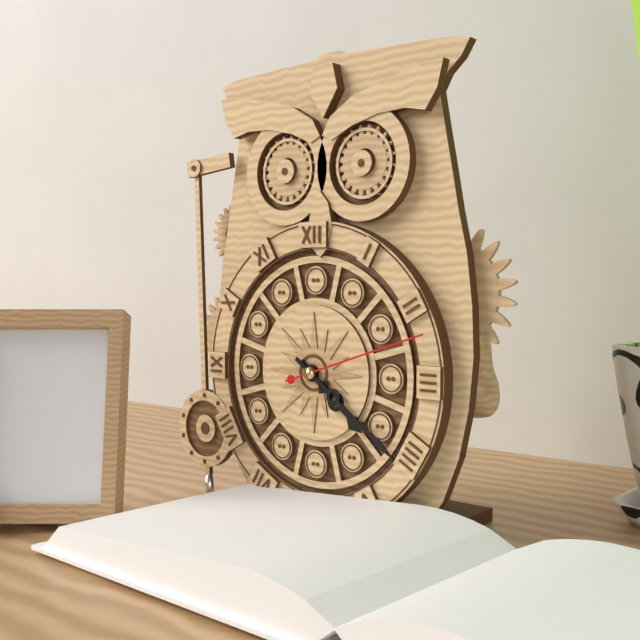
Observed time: 4h21m12s
